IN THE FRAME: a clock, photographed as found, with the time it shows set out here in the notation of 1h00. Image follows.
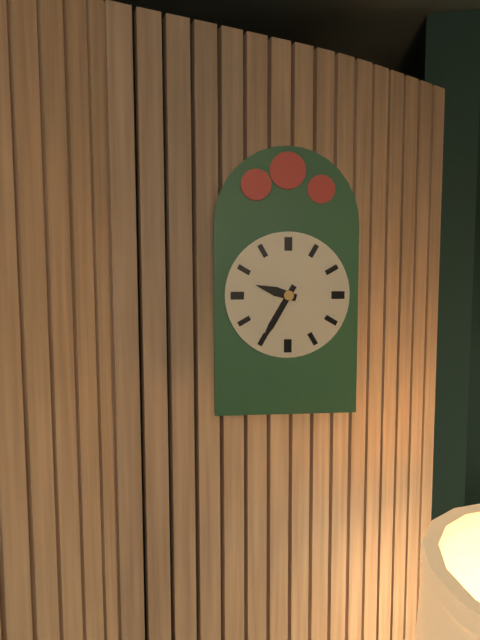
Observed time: 9h35
